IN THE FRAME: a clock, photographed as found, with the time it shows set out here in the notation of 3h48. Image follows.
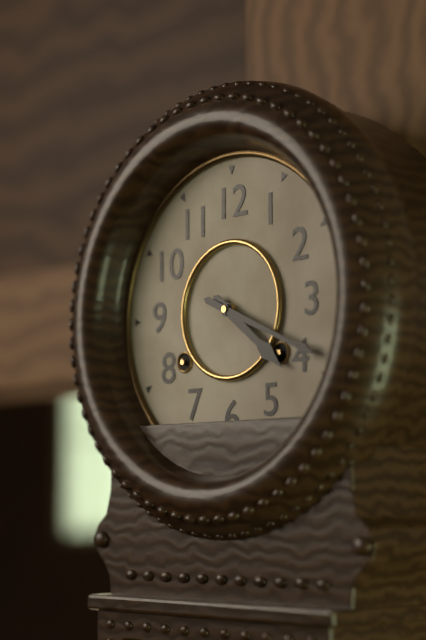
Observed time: 4h19
